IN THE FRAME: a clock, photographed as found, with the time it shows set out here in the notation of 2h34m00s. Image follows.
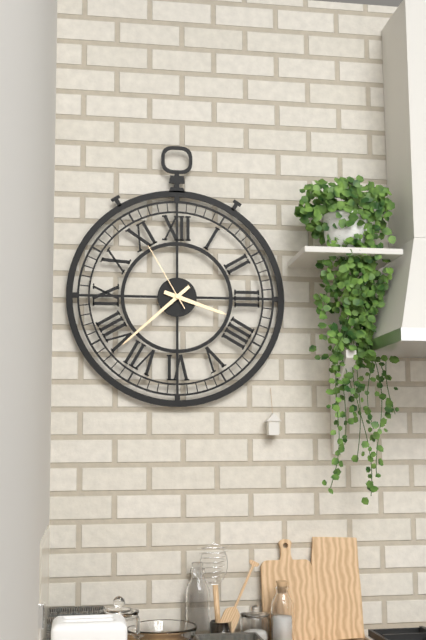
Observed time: 3h38m55s
